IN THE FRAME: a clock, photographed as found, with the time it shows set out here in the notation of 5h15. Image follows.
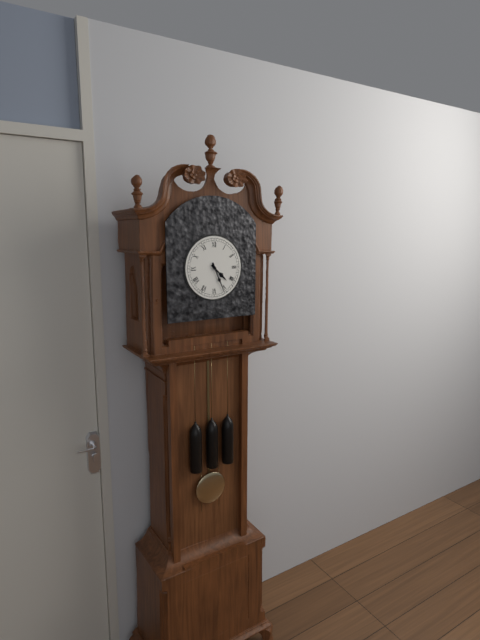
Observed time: 4h26
